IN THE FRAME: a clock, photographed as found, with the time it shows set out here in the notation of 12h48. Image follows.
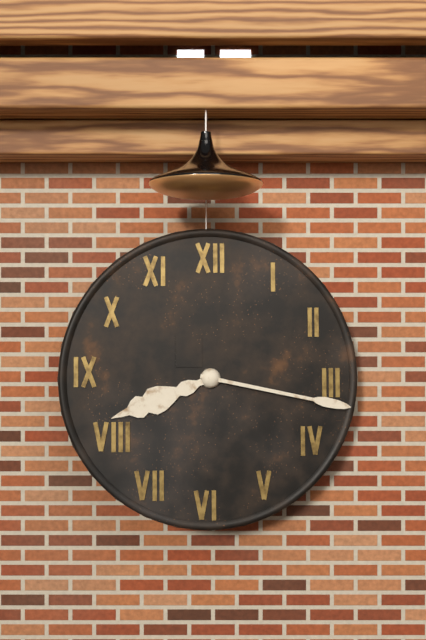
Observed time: 8h17
